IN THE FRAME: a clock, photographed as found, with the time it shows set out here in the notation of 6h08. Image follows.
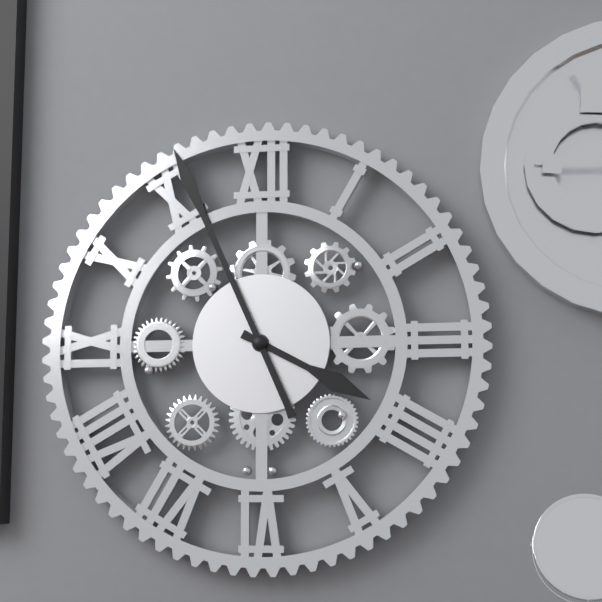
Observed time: 3h56
